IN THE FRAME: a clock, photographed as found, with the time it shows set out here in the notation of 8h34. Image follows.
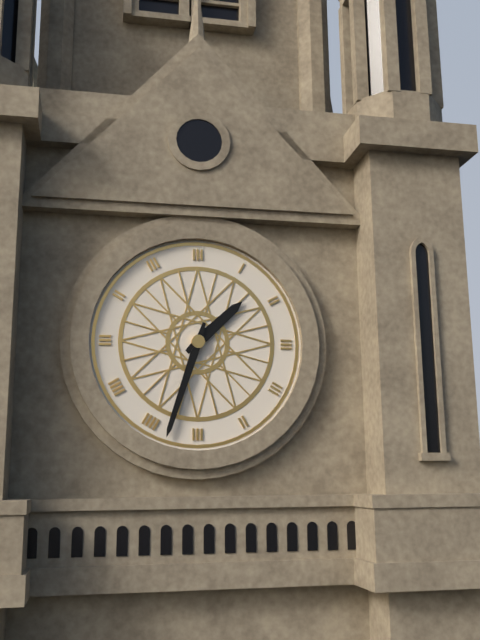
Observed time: 1h33
